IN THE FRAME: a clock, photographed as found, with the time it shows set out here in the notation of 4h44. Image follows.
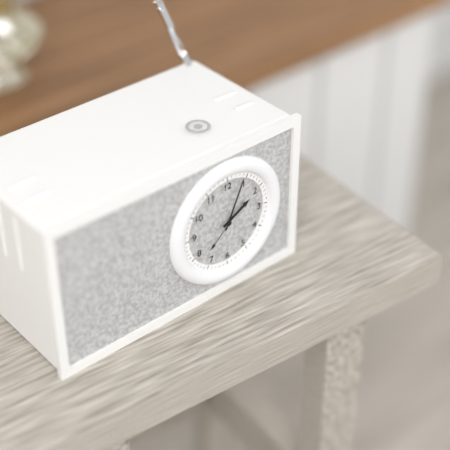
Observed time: 2h04
